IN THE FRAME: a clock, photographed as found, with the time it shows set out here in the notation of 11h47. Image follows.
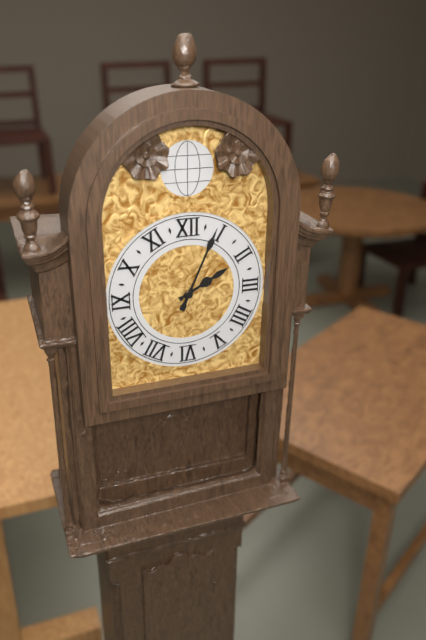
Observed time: 2h04
